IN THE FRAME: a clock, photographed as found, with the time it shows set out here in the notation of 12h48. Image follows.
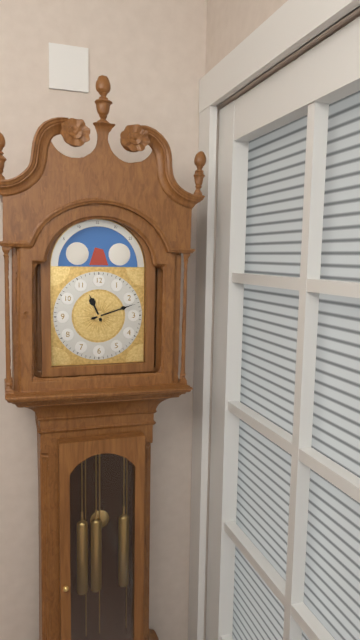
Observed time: 11h12
